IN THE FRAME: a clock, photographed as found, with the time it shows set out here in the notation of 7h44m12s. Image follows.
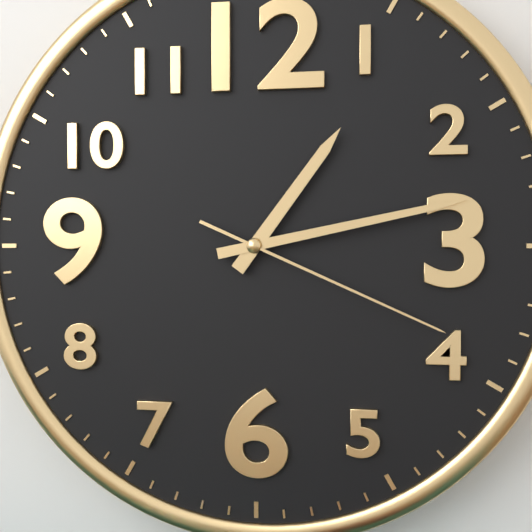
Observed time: 1h13m19s
